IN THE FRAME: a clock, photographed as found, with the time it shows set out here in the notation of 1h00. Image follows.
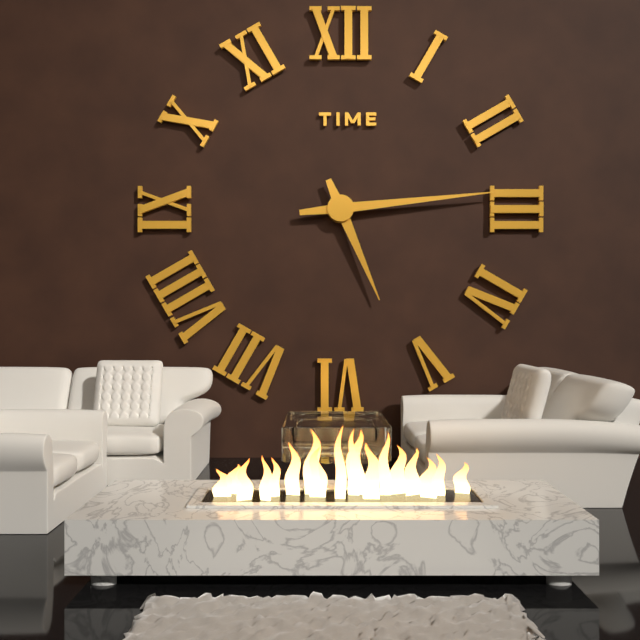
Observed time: 5h14
